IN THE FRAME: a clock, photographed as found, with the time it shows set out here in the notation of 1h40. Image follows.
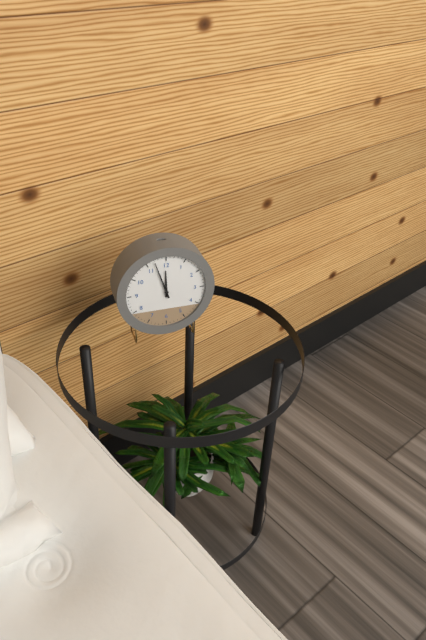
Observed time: 11h57
